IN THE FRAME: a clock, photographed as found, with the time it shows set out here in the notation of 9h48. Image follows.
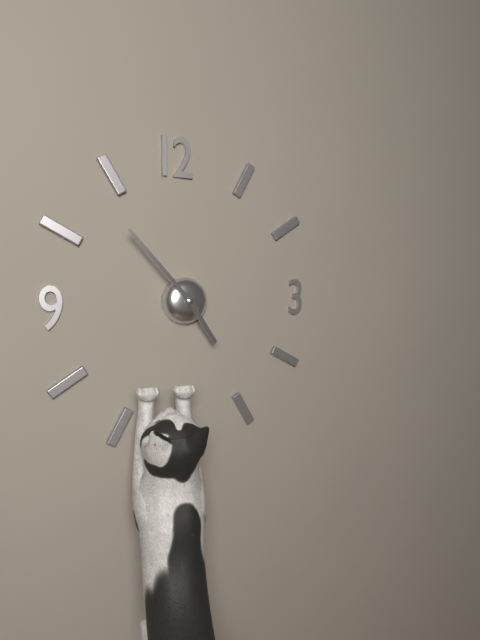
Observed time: 4h53
